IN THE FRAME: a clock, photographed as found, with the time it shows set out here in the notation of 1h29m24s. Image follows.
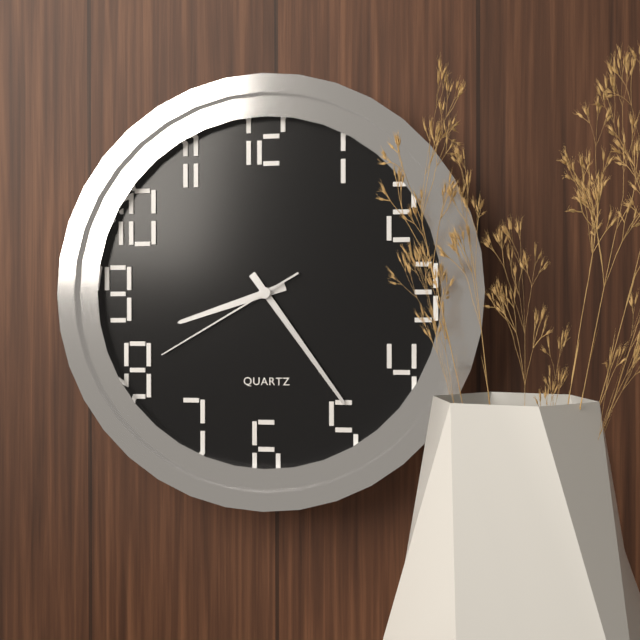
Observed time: 8h24m40s
